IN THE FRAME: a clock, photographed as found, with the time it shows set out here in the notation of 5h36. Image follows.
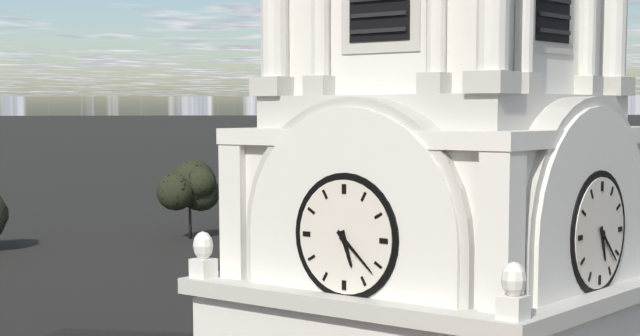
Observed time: 5h22
